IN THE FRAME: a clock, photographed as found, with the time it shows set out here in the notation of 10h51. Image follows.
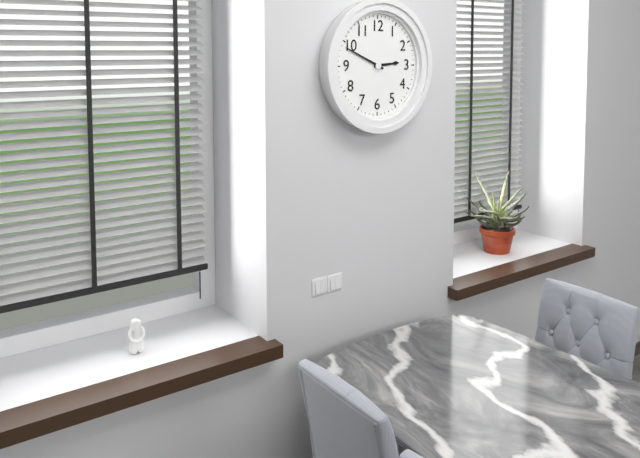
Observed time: 2h49
